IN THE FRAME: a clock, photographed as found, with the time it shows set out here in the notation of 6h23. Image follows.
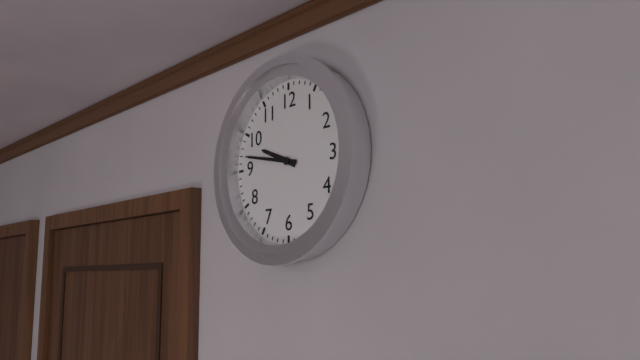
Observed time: 9h47
